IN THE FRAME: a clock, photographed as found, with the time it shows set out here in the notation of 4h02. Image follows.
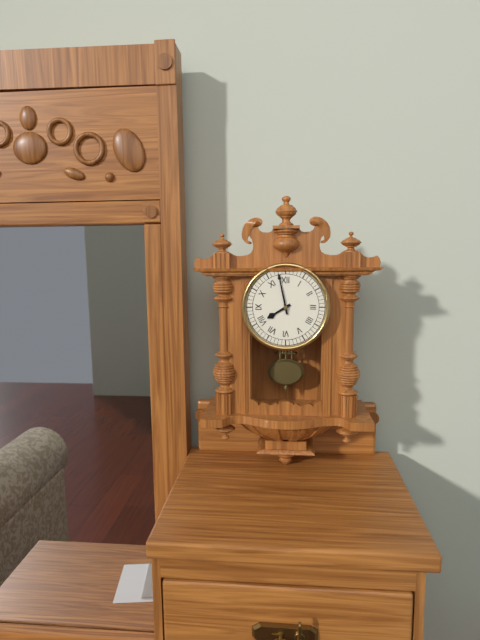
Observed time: 7h58
